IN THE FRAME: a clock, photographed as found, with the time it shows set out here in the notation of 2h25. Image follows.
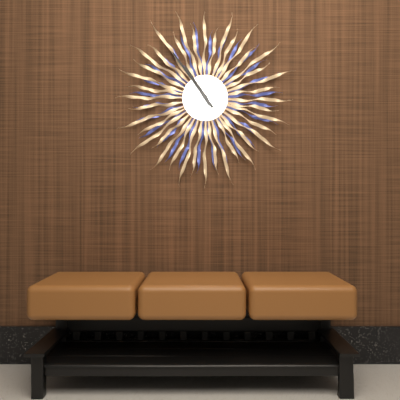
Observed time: 10h54
